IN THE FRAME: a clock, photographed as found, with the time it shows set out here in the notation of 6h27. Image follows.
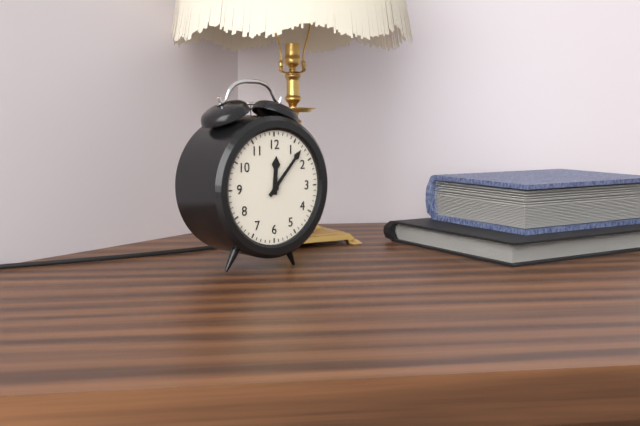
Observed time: 12h07
